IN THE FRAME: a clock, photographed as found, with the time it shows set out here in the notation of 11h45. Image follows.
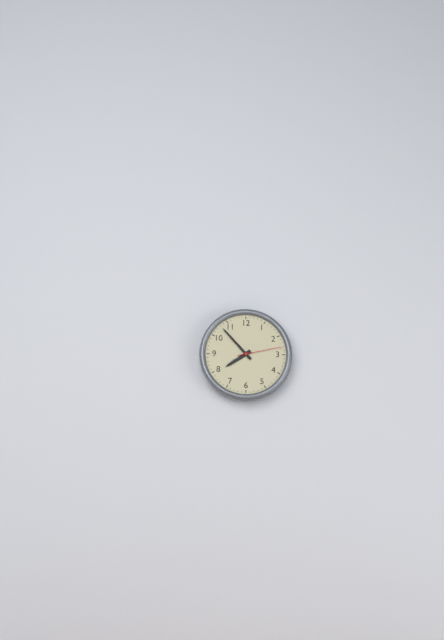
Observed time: 7h53
